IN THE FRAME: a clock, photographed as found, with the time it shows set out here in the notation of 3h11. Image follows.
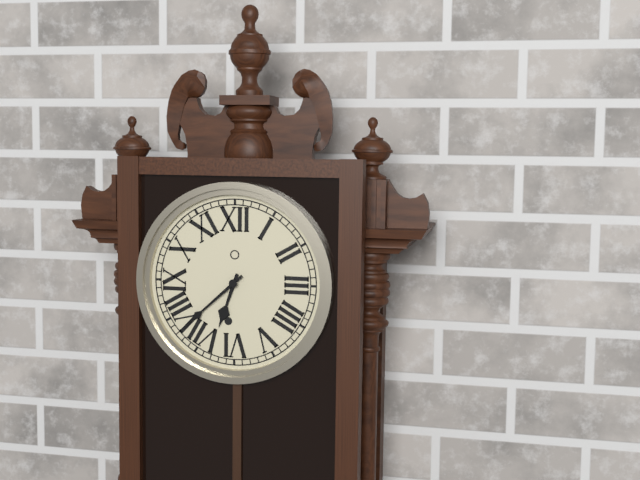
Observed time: 6h38
